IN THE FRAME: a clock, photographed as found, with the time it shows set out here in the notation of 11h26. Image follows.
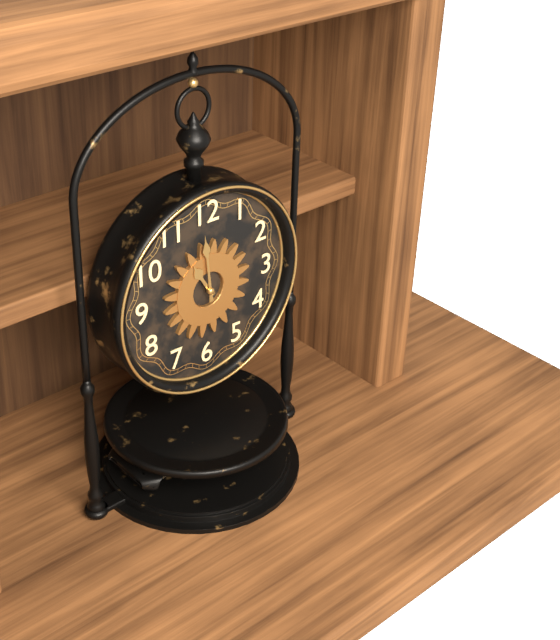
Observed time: 10h59
